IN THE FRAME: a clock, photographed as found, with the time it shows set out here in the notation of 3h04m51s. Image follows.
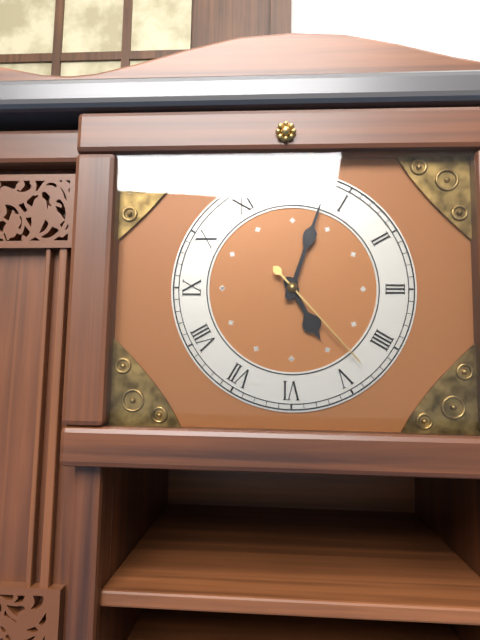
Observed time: 5h03m23s
